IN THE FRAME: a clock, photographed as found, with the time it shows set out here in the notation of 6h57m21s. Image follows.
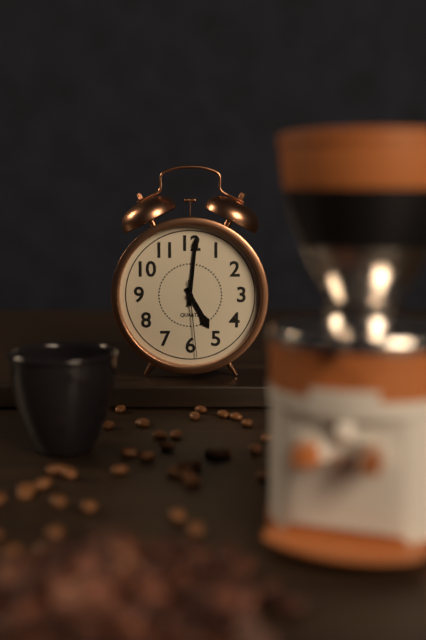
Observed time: 5h01m29s
